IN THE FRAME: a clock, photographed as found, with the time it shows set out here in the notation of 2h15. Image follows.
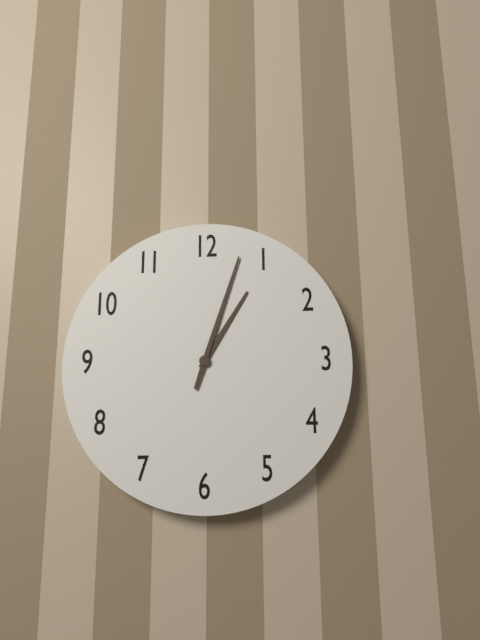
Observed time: 1h03
